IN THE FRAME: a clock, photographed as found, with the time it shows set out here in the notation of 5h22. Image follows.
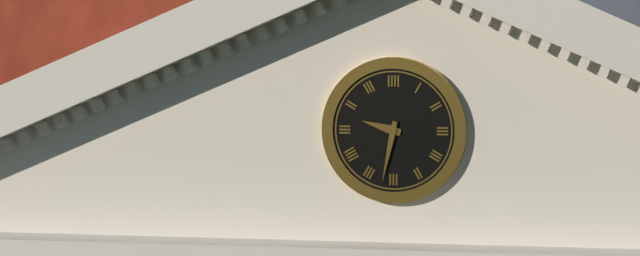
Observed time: 9h32
